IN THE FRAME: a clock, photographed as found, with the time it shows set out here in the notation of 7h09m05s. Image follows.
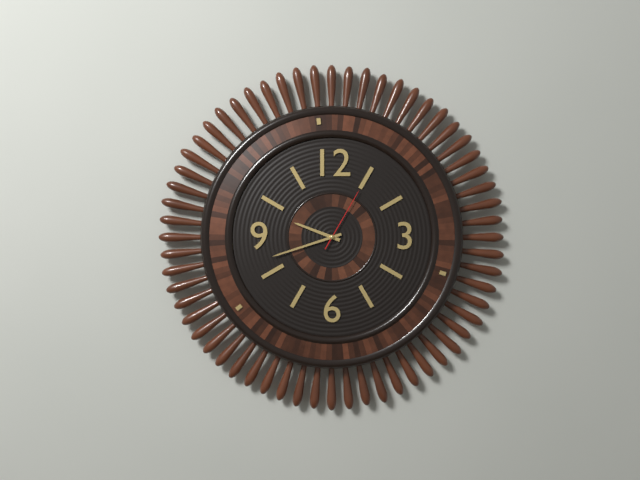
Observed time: 9h42m05s
